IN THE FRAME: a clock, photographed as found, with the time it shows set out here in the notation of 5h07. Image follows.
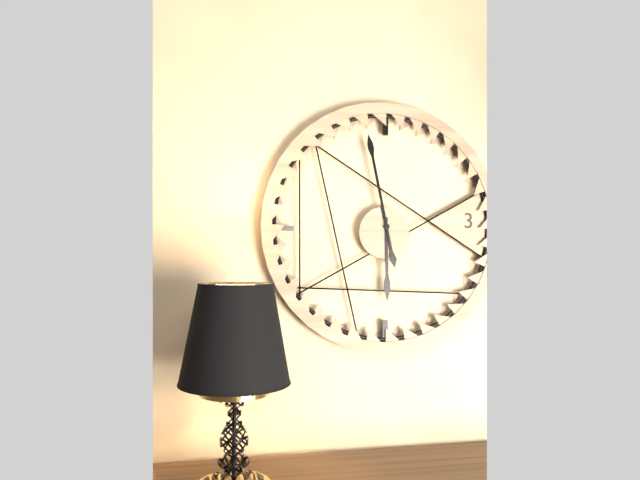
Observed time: 5h58
